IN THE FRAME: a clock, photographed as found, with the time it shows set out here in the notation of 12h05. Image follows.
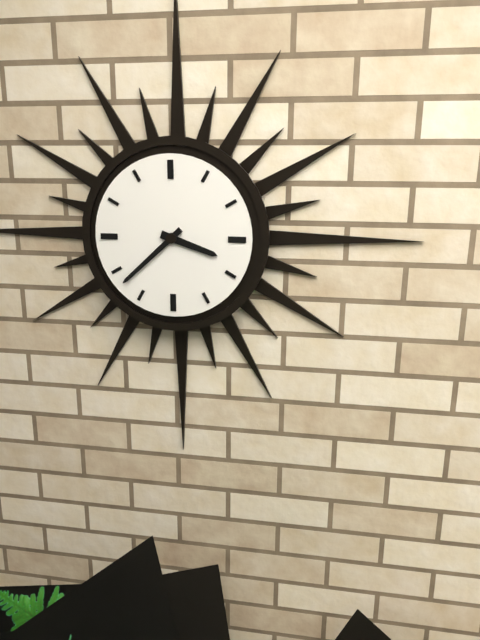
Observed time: 3h38
